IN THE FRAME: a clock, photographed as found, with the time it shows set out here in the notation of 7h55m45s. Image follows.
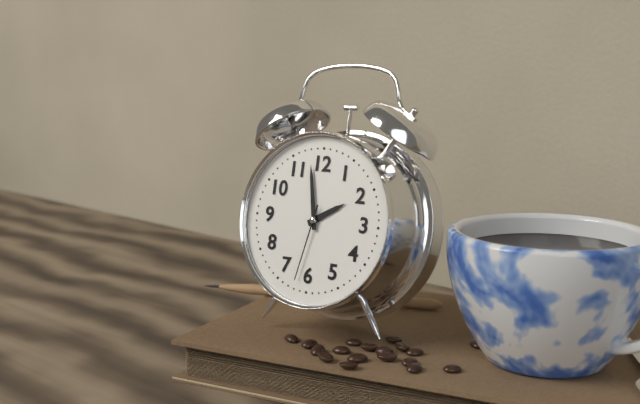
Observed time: 1h58m32s
